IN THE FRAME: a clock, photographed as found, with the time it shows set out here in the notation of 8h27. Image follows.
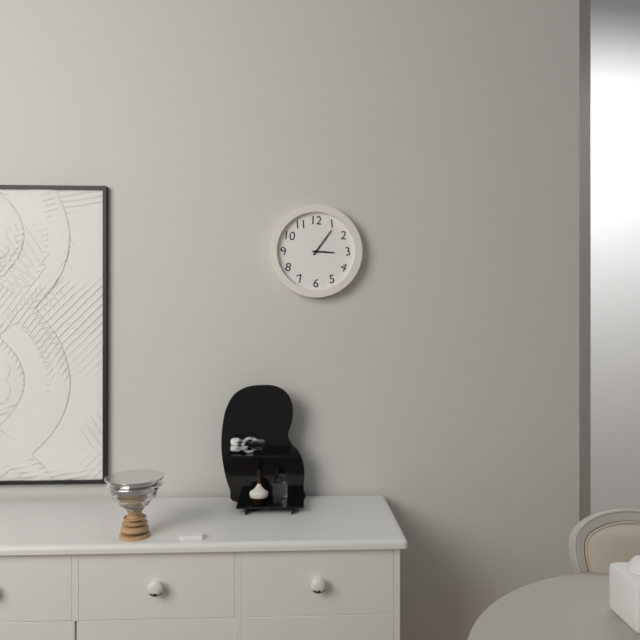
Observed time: 3h06
